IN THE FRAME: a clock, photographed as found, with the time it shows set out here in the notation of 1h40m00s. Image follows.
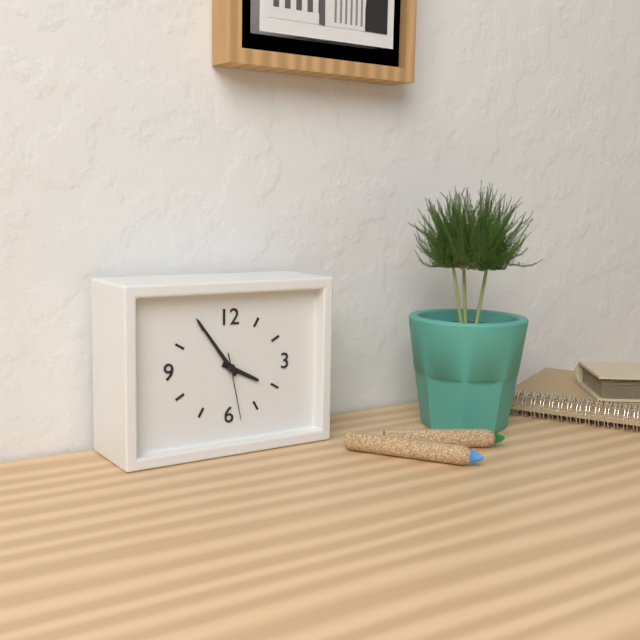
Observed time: 3h54m28s
